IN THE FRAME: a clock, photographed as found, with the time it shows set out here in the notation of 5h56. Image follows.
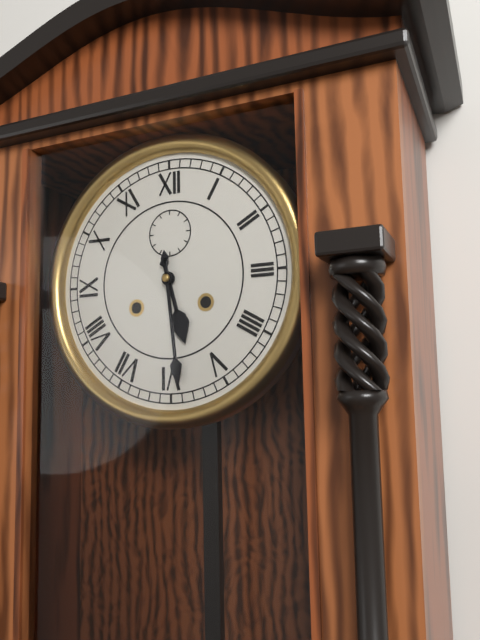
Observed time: 5h29
